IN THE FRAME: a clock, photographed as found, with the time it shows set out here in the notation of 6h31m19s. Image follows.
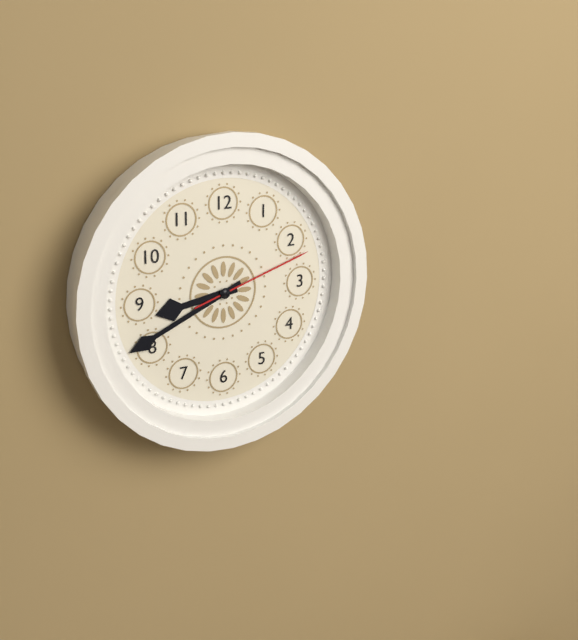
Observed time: 8h41m12s
